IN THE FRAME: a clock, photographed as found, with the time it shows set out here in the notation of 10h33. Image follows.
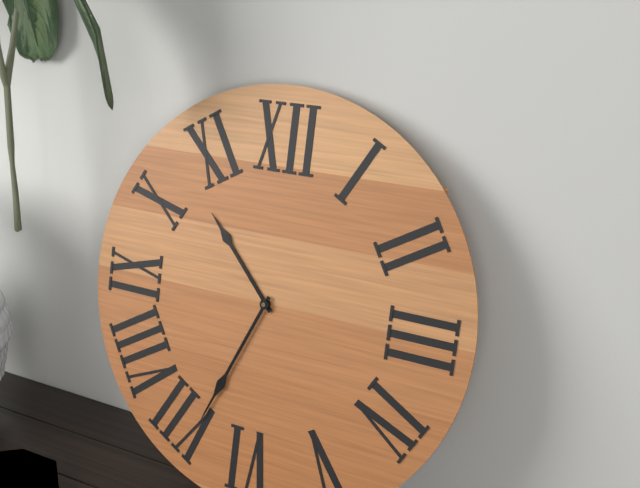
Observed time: 10h34
